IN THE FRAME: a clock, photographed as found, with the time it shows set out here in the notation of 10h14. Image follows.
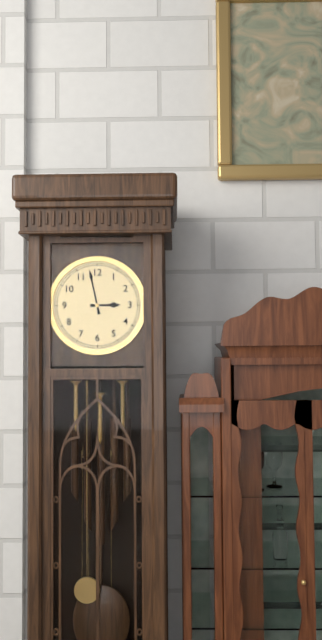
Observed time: 2h58
